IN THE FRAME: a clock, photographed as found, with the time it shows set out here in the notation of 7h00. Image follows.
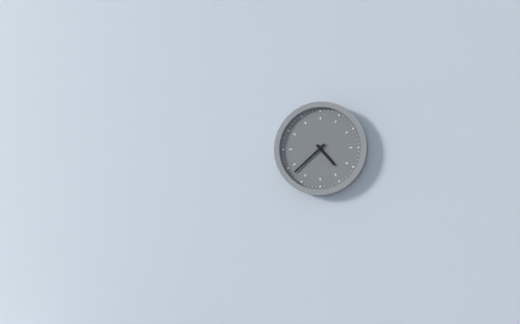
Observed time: 4h38
